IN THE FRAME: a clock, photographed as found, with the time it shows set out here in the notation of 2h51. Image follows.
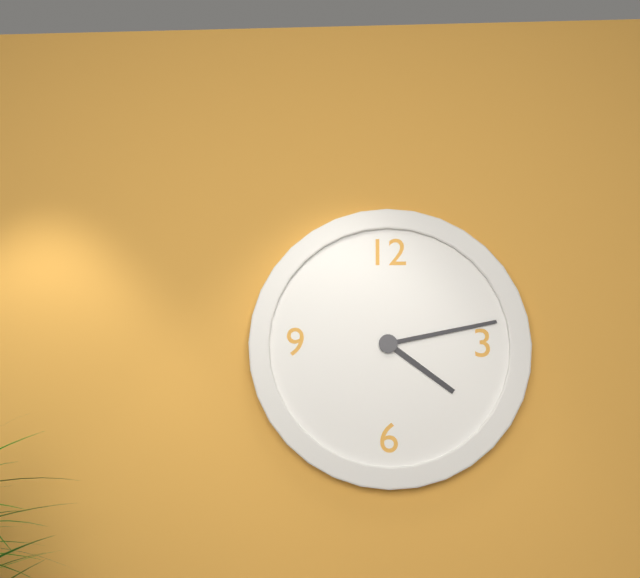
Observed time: 4h13
